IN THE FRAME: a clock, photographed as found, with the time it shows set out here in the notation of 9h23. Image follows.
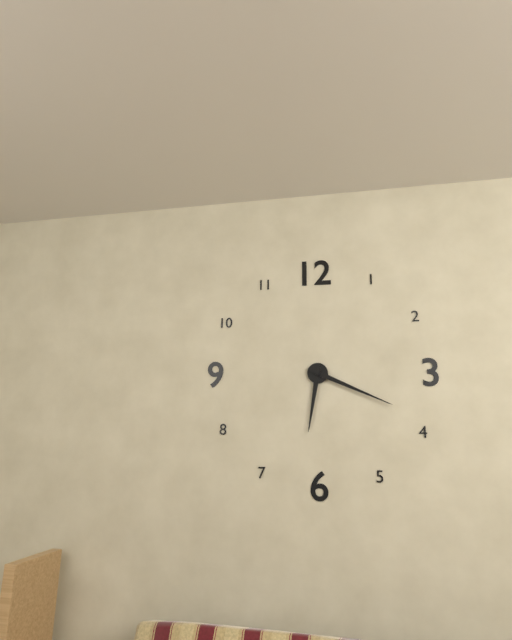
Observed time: 6h19
